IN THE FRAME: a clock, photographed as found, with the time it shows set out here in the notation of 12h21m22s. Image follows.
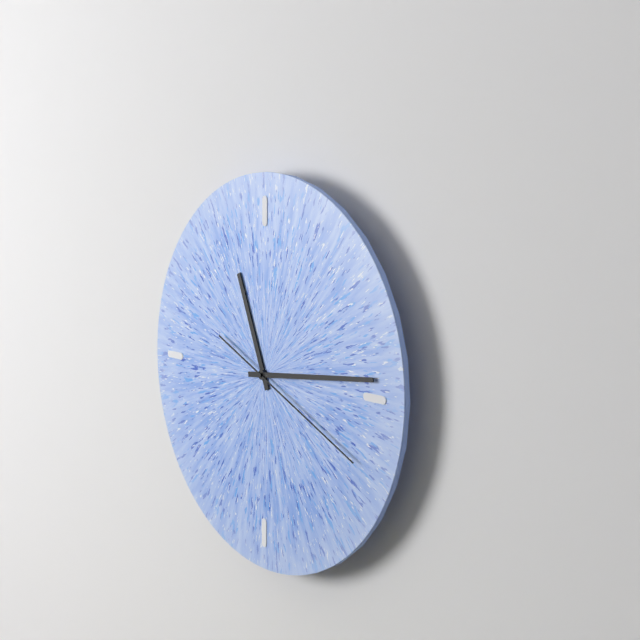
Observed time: 11h14m19s
